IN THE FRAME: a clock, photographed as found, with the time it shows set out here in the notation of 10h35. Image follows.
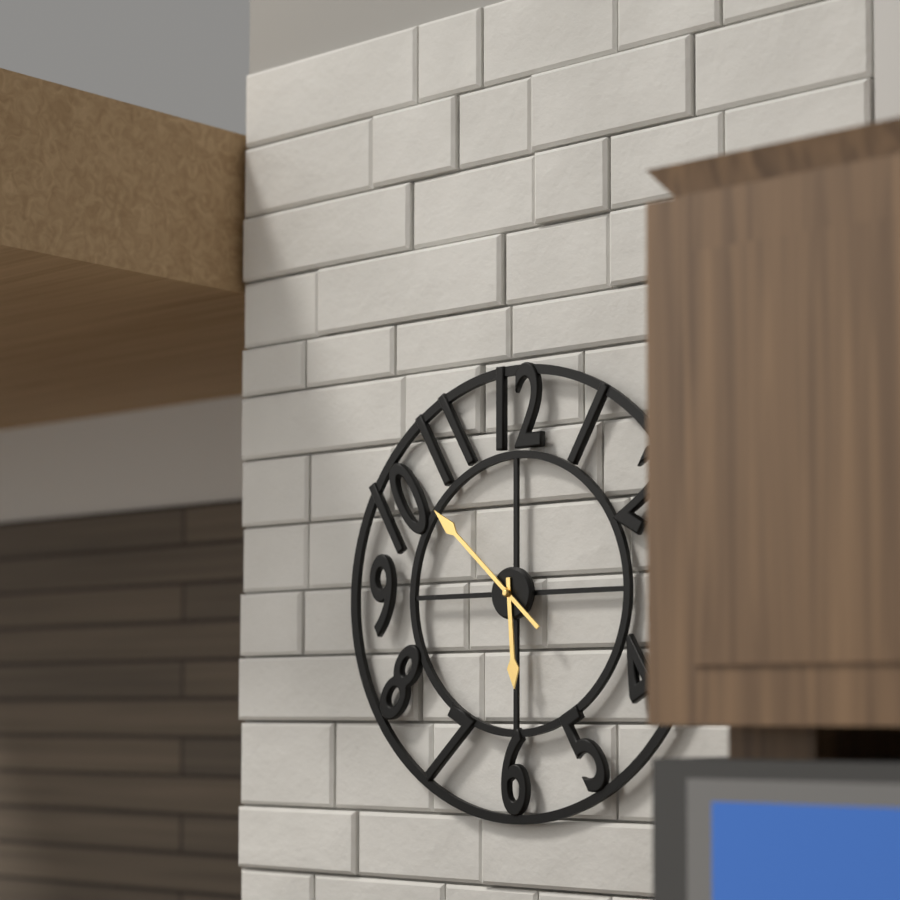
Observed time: 5h52
